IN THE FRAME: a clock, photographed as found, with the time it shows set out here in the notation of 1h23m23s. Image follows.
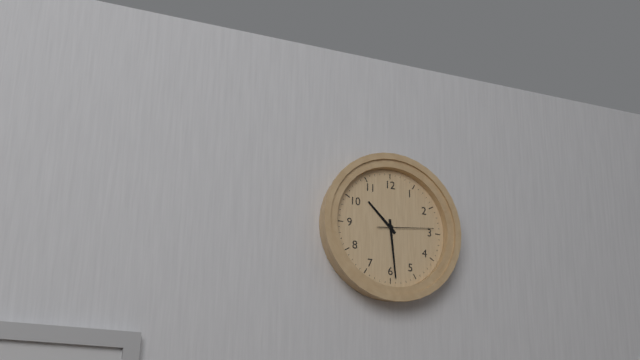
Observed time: 10h29m14s
